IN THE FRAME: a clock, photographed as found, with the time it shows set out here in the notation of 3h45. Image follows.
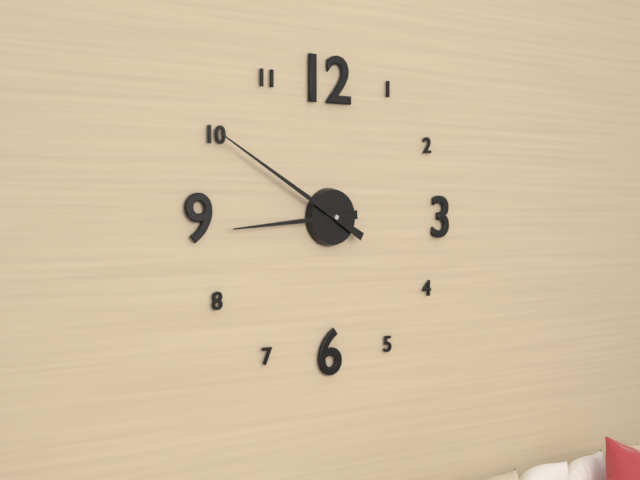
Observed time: 8h50
